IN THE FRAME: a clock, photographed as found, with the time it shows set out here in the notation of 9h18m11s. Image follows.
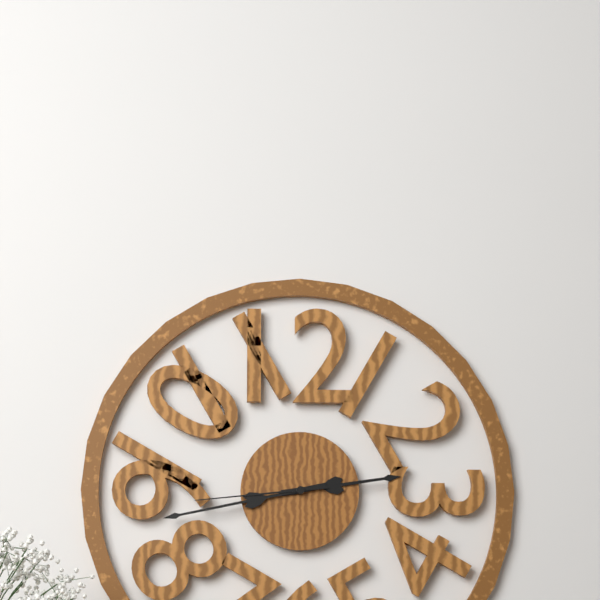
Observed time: 2h43m44s
